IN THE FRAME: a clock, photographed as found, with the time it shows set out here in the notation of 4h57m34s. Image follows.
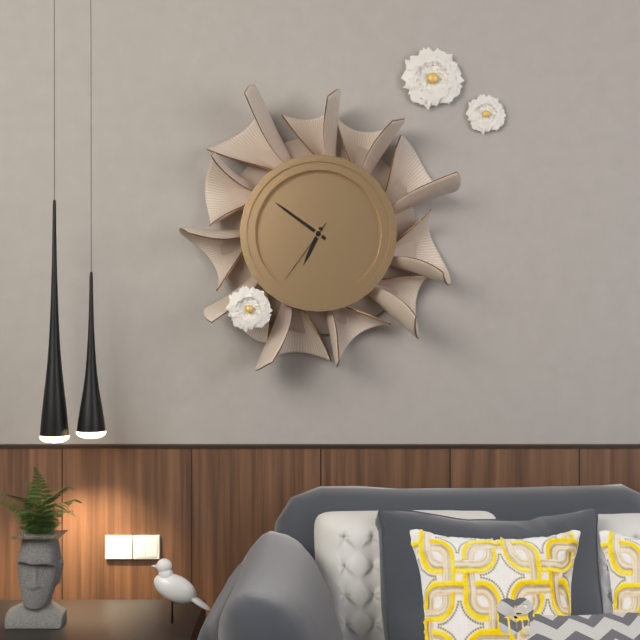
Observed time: 6h51m36s
